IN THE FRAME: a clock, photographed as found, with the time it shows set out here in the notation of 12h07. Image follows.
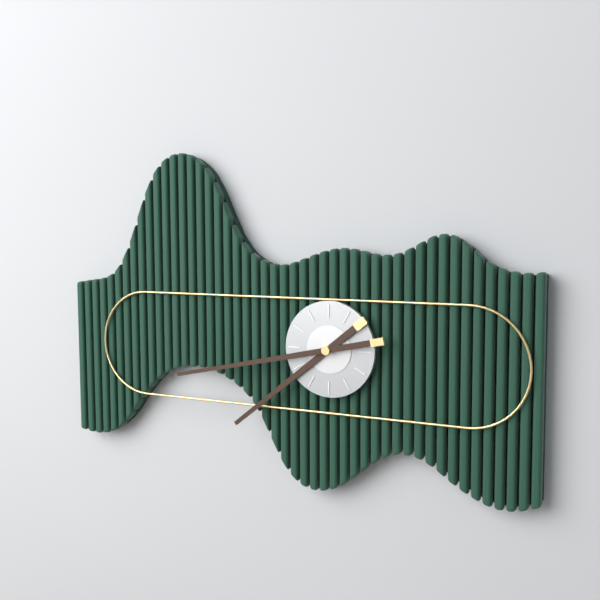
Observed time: 7h43
